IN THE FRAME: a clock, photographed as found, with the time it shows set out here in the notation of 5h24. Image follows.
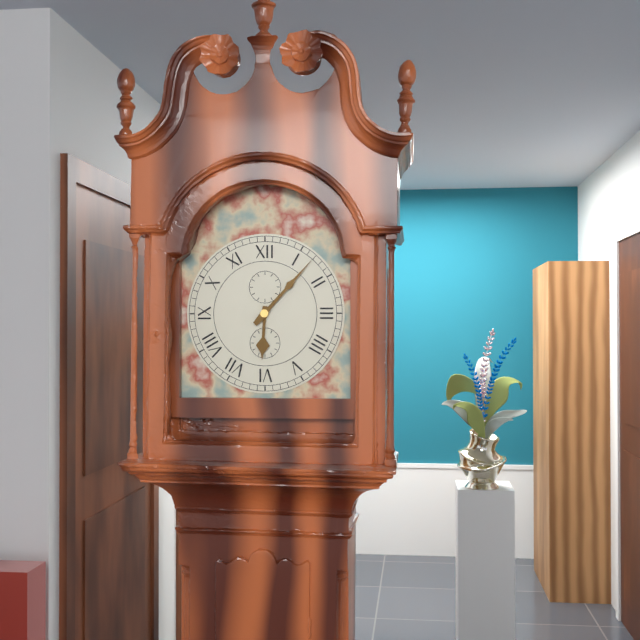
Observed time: 6h07
